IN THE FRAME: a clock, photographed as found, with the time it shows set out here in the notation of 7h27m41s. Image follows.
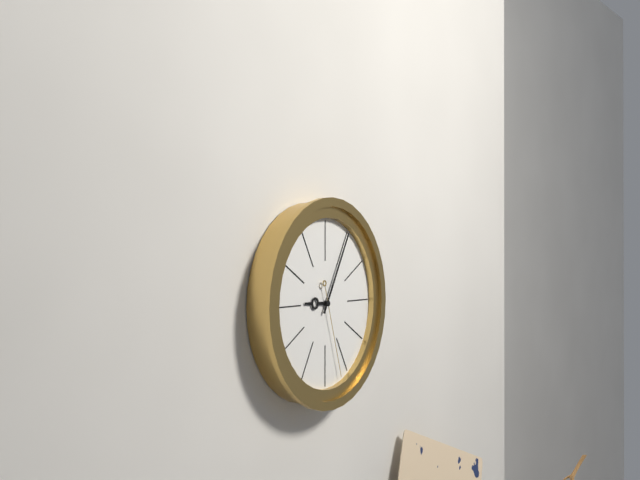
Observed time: 9h05m27s
